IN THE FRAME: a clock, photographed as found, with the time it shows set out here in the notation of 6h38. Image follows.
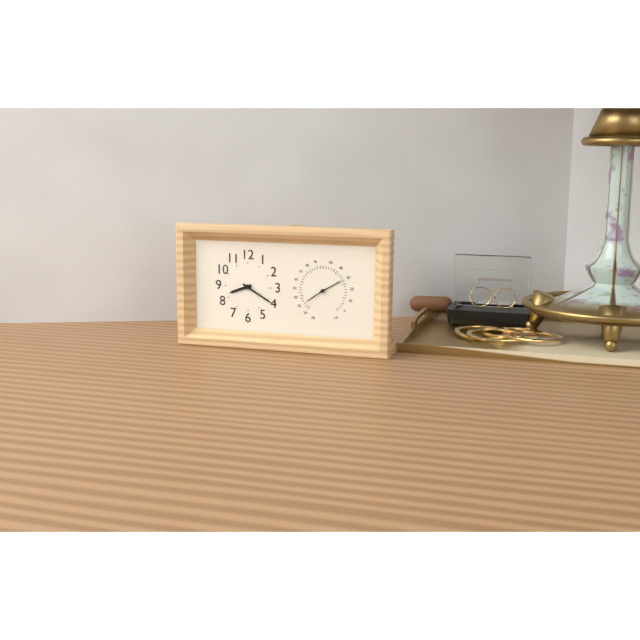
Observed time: 8h20
